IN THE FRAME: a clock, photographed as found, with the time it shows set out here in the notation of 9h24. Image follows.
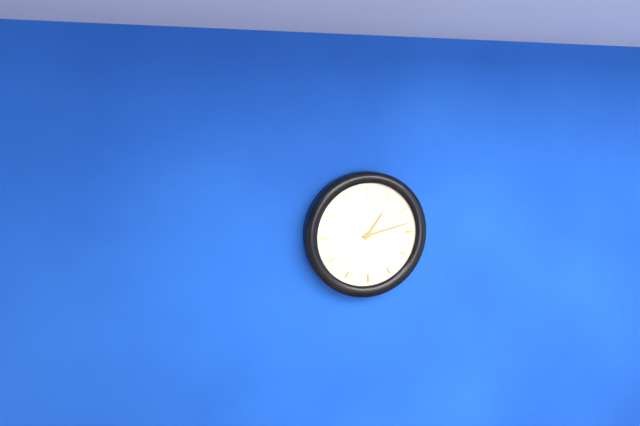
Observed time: 1h13
